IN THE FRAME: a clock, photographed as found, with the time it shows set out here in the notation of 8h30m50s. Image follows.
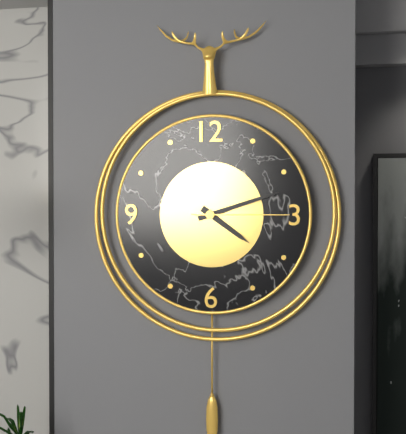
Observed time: 4h12m15s
